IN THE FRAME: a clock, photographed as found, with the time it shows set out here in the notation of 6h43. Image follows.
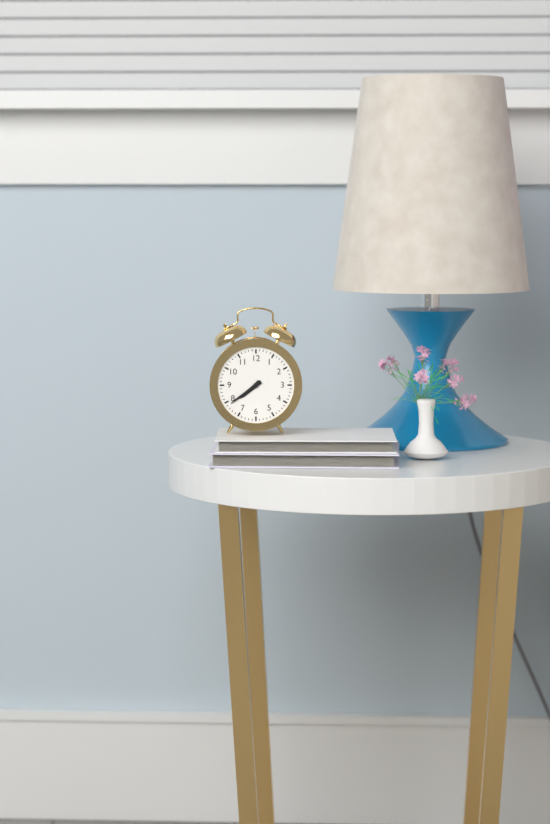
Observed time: 7h39
